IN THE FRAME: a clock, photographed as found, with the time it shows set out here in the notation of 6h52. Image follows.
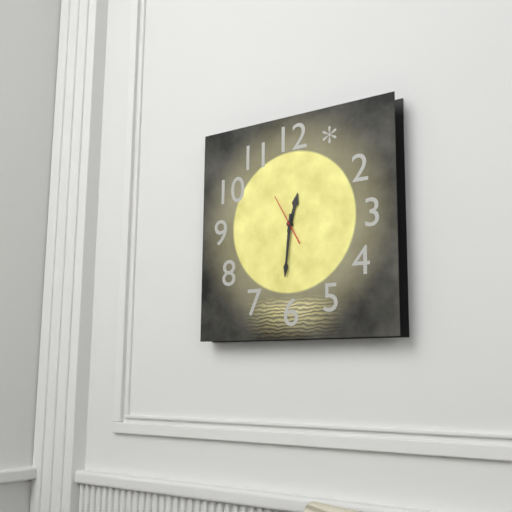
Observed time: 12h31
